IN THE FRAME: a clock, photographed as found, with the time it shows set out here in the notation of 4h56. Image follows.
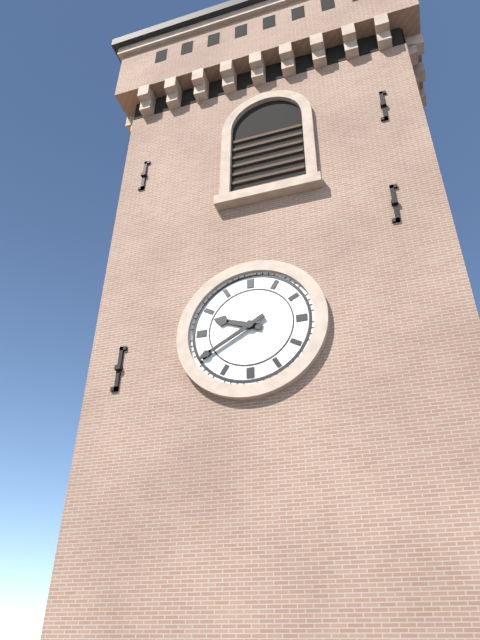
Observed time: 9h40
